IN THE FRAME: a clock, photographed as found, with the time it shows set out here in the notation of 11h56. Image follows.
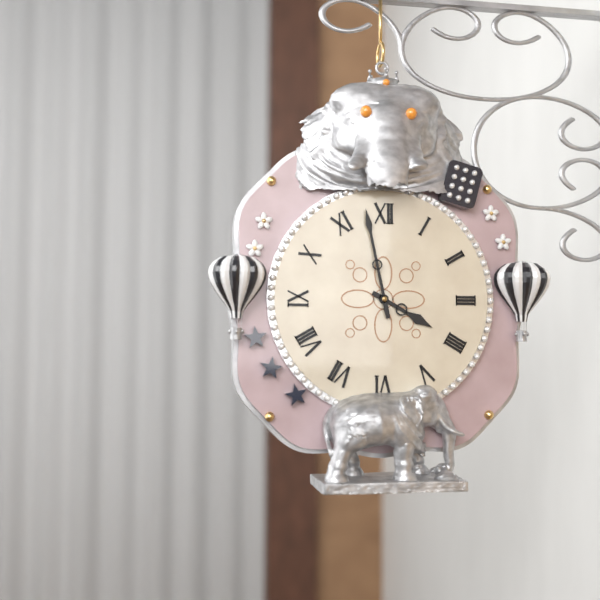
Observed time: 3h58
